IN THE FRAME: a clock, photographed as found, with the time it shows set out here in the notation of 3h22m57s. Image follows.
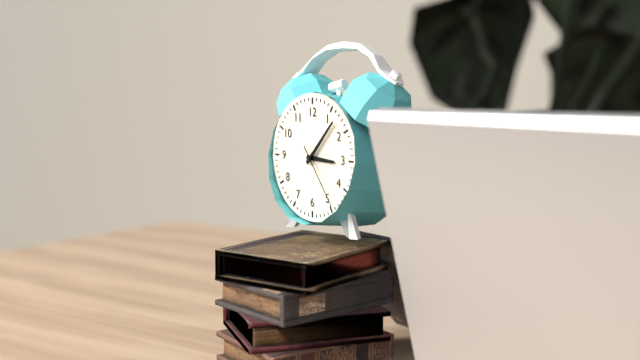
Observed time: 3h07m24s
